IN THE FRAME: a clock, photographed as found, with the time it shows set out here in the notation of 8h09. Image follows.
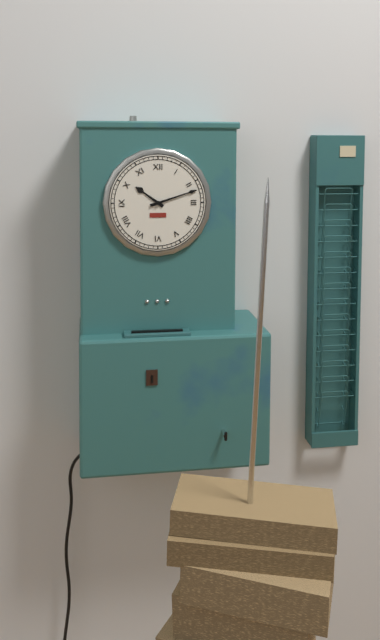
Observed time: 10h12
